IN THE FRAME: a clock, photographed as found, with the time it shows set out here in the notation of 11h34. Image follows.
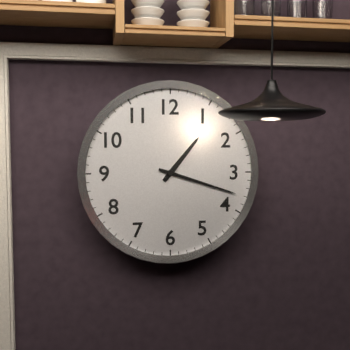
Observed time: 1h18
